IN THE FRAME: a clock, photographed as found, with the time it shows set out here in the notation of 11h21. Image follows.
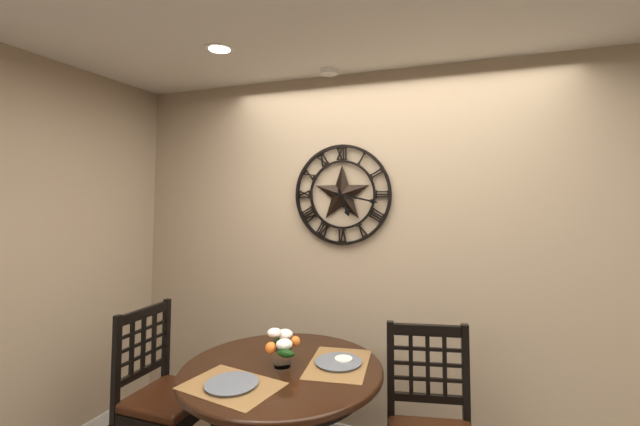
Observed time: 5h17
